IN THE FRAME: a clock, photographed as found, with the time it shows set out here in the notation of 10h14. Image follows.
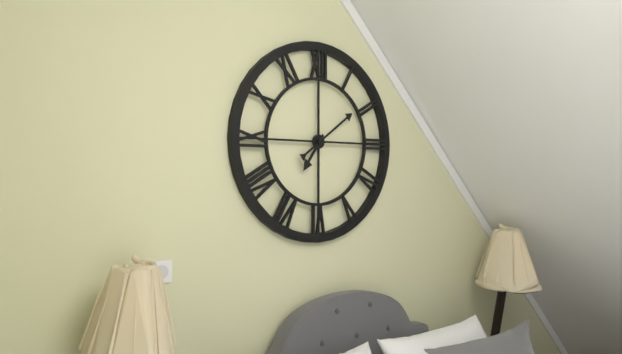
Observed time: 7h09
